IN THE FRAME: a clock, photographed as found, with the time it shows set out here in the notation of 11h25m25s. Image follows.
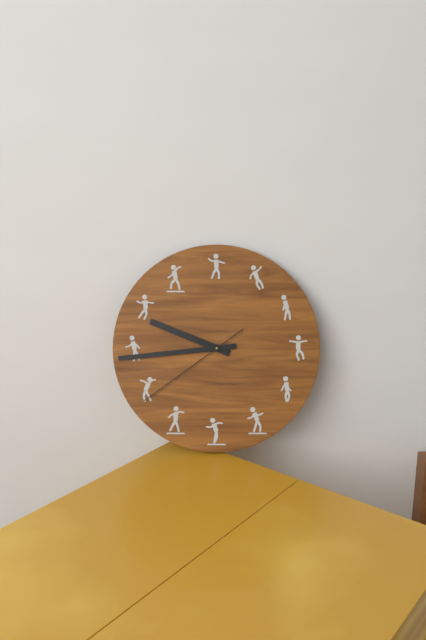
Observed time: 9h44m39s
